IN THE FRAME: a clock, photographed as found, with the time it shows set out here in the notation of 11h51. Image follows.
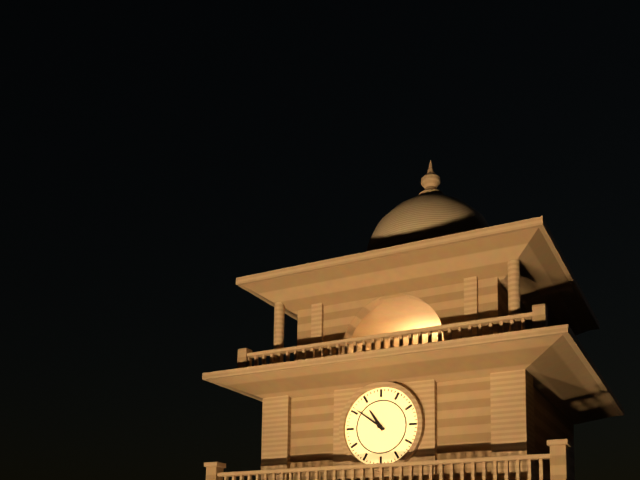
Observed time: 10h51
